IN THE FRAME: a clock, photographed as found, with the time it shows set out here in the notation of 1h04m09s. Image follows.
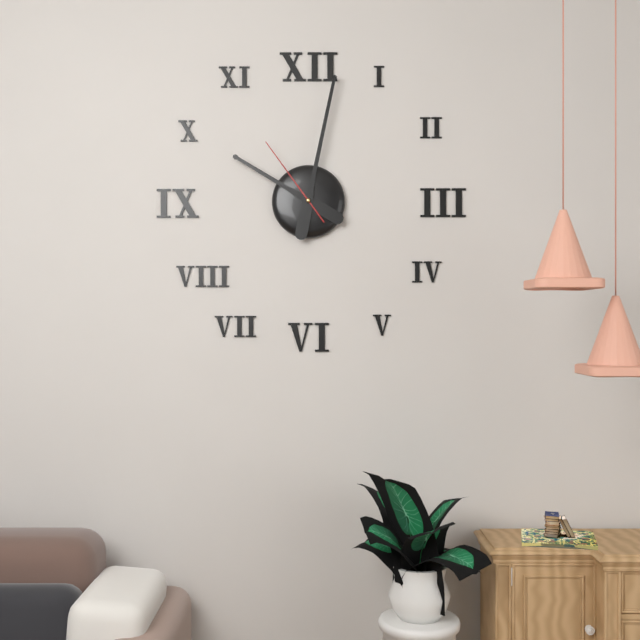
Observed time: 10h02m54s
